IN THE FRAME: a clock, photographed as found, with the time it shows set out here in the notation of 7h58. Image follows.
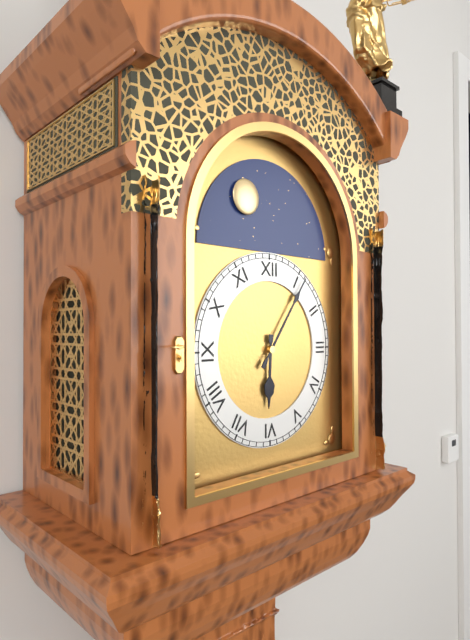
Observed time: 6h06
